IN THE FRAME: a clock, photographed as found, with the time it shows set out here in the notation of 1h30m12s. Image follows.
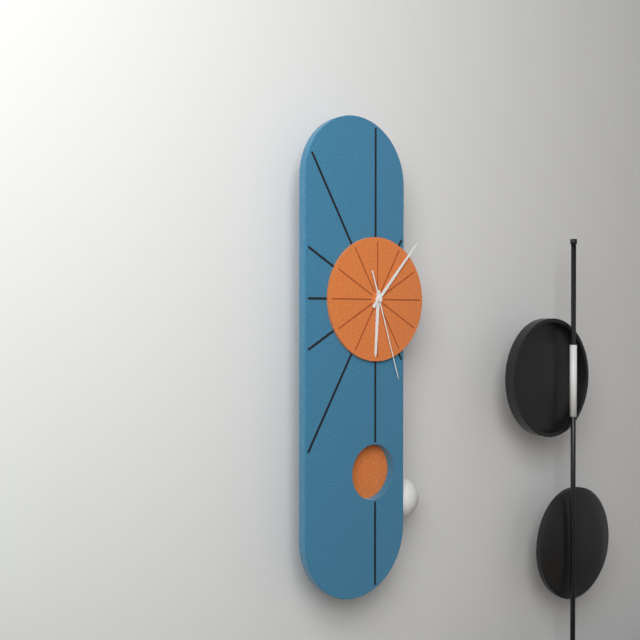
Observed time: 6h07m27s
